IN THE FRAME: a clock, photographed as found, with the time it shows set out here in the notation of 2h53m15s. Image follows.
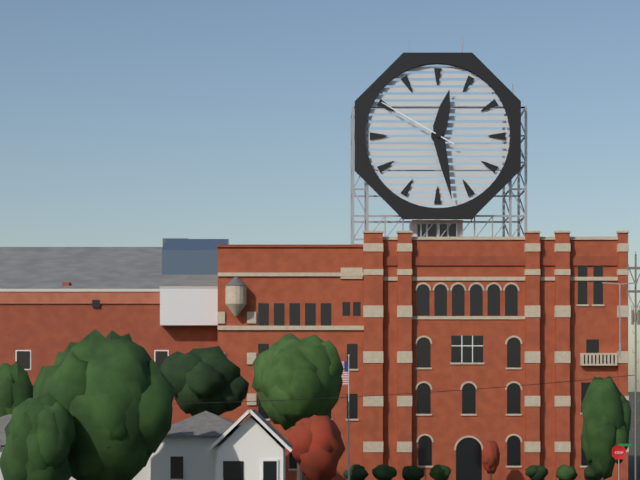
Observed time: 12h28m50s
